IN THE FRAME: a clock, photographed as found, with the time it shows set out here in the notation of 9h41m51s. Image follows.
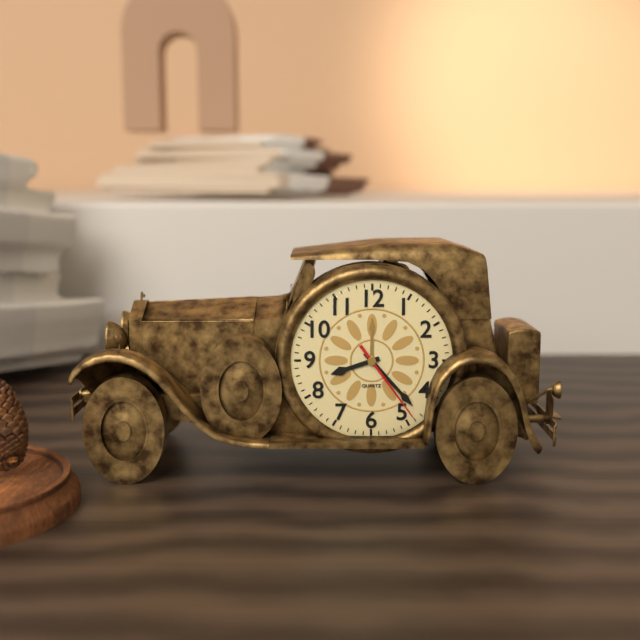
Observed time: 8h23m24s
